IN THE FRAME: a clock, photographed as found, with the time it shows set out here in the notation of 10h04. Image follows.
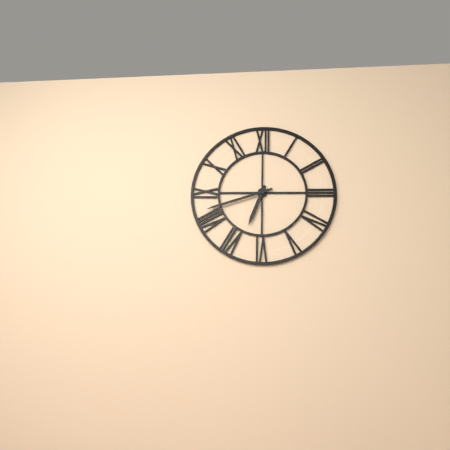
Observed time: 6h42
